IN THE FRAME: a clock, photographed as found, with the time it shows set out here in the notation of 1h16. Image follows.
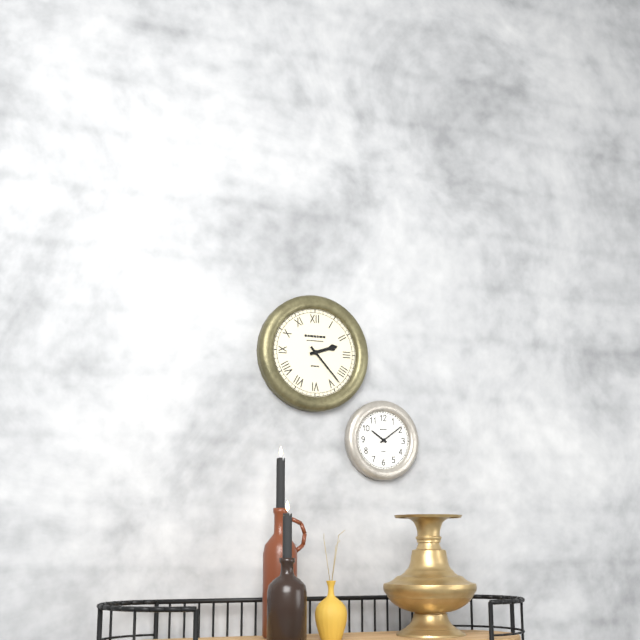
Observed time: 2h23
